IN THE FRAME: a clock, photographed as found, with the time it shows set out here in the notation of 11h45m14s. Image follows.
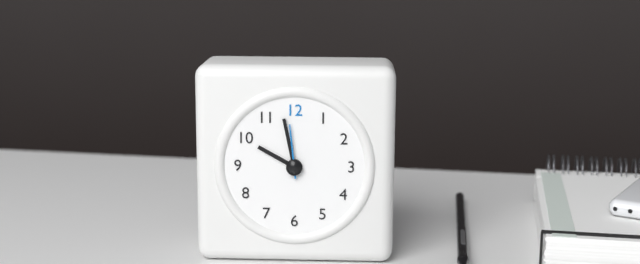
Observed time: 9h58m59s
